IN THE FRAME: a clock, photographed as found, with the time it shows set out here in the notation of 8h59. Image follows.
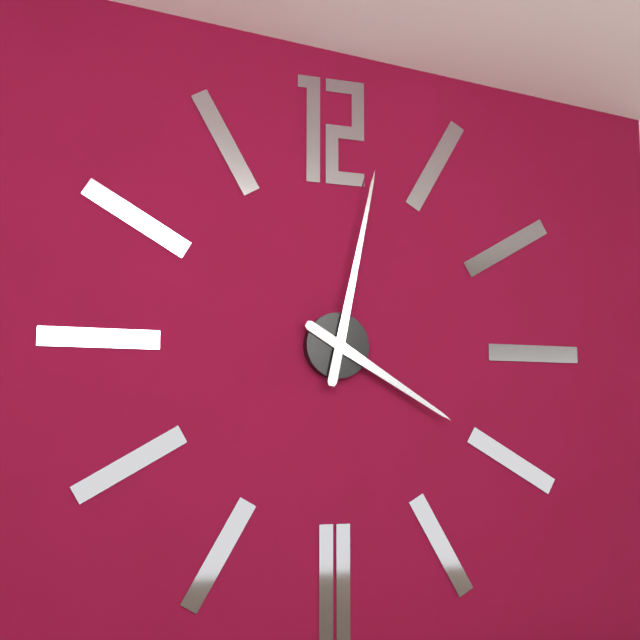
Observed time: 4h02
